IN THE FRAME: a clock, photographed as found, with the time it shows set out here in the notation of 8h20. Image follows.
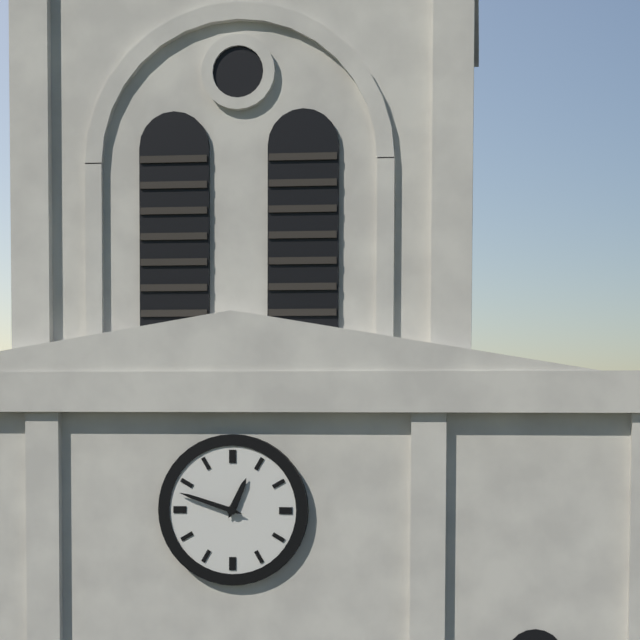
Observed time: 12h48
